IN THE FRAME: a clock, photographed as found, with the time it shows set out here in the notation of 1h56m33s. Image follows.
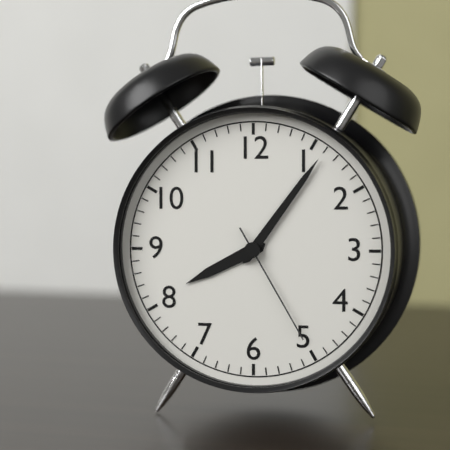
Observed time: 8h06m25s
